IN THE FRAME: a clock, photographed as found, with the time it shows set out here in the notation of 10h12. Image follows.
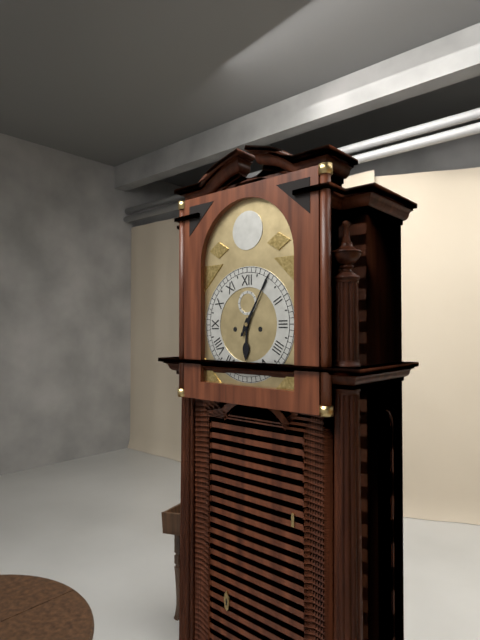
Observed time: 6h05
